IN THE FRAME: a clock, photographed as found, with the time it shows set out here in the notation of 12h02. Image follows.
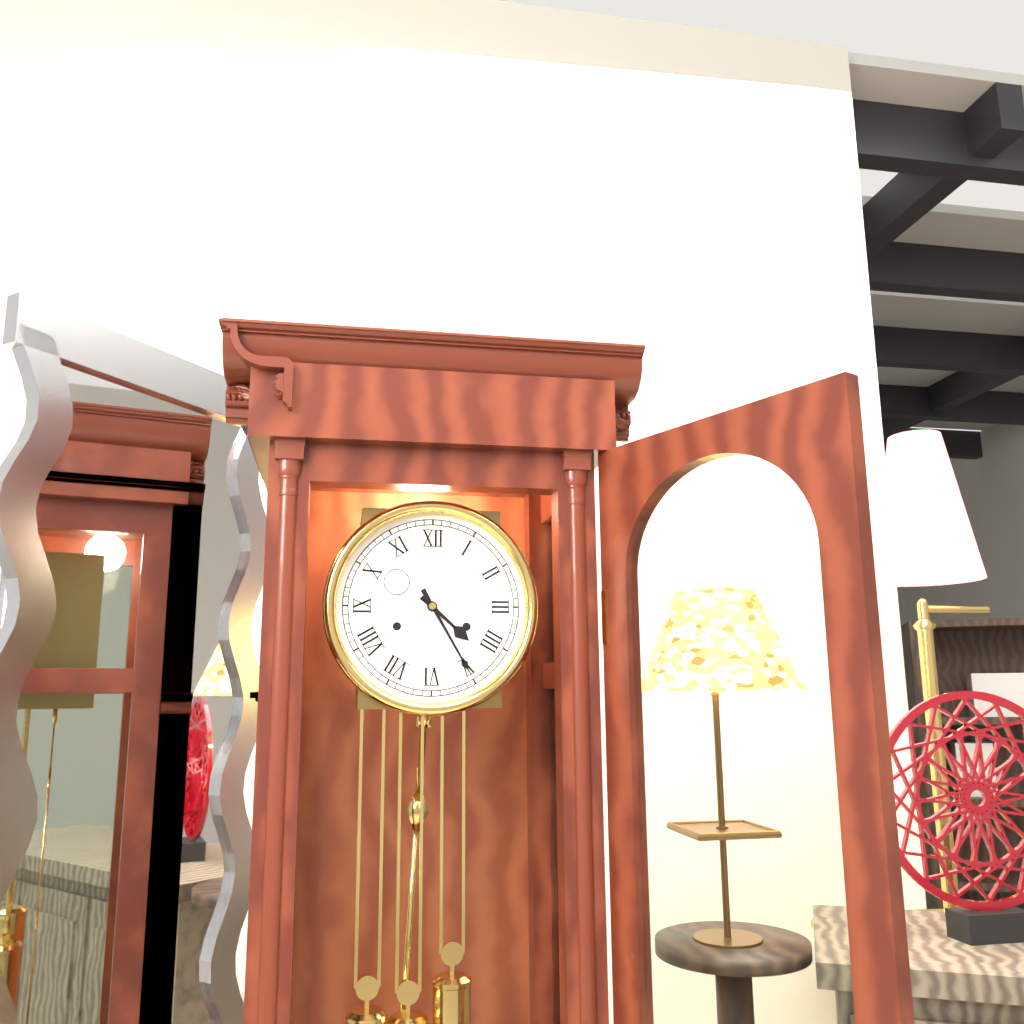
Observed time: 4h25
